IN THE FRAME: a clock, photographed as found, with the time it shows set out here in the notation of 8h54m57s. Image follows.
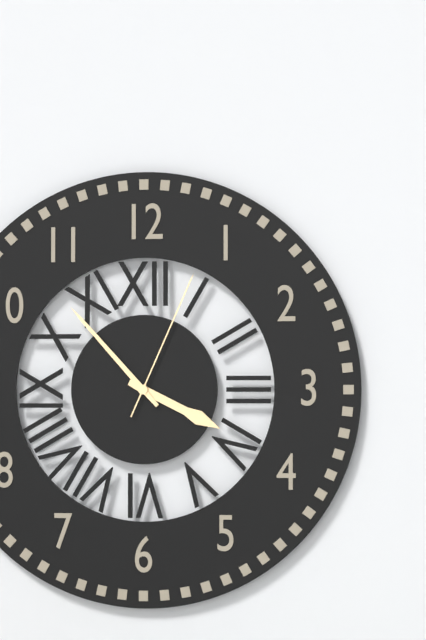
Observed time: 3h53m04s
